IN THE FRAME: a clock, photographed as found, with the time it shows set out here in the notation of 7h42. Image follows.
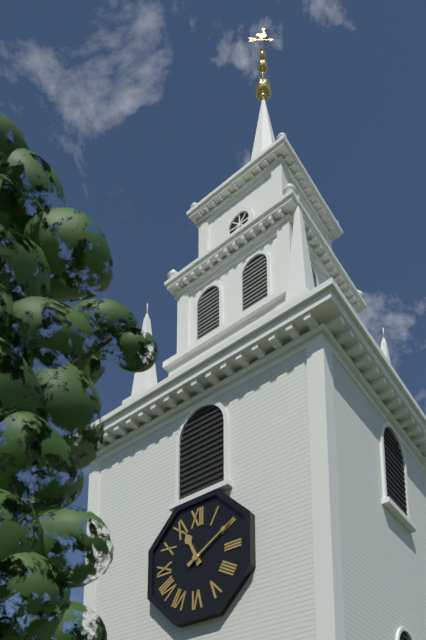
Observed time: 11h10
